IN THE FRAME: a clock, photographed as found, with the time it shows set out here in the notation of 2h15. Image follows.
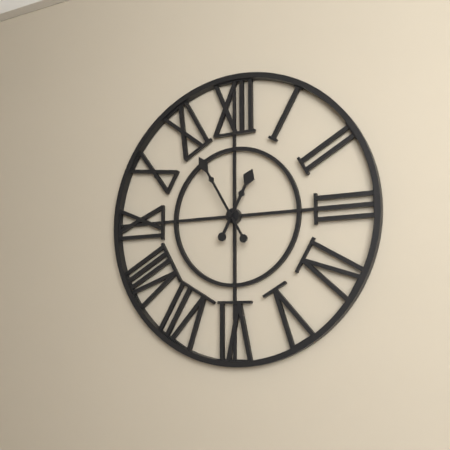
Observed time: 12h55
